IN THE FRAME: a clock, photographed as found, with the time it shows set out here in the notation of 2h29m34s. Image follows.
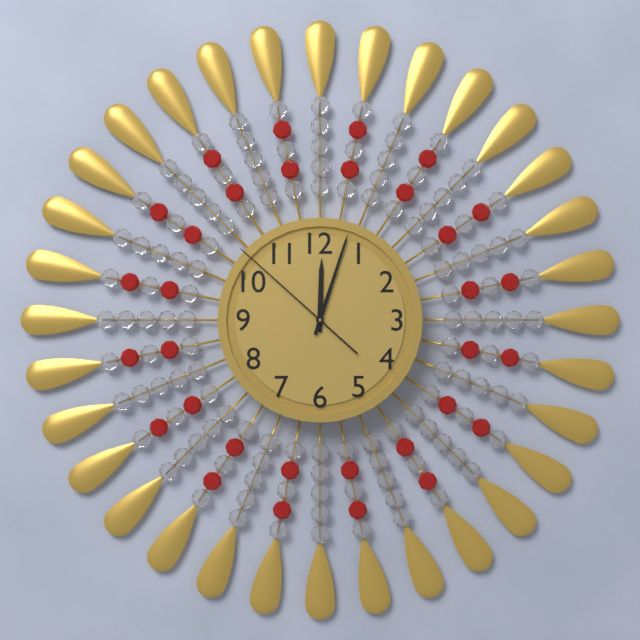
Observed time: 12h03m52s
